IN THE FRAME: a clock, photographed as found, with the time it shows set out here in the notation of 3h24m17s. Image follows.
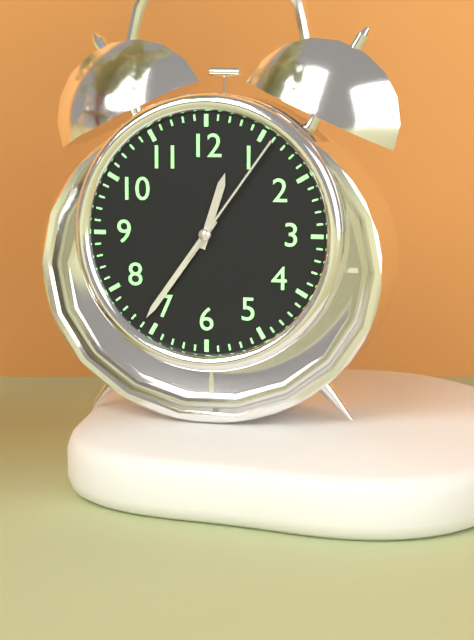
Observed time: 12h36m06s
